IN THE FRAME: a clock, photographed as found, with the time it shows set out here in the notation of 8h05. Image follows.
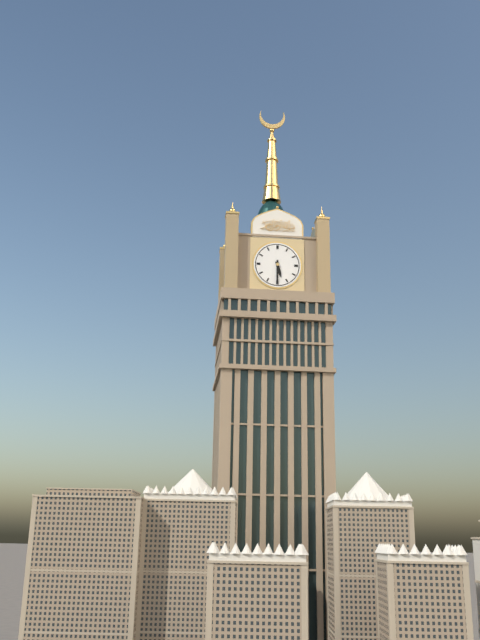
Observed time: 5h30
